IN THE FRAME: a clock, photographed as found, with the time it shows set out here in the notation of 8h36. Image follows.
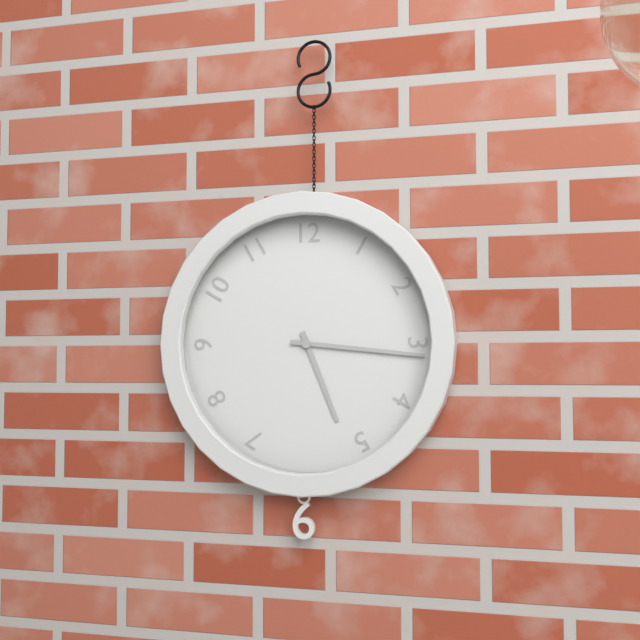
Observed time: 5h16
